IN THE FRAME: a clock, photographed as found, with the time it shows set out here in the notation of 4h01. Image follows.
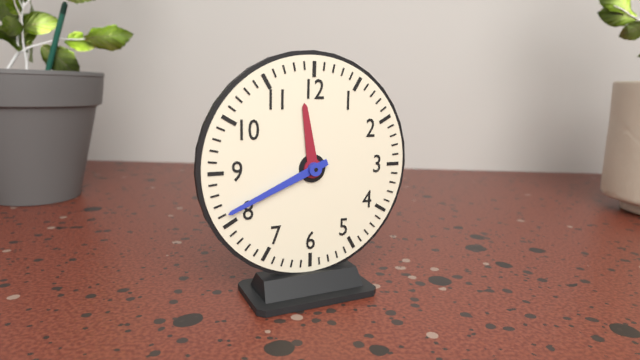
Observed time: 11h41
